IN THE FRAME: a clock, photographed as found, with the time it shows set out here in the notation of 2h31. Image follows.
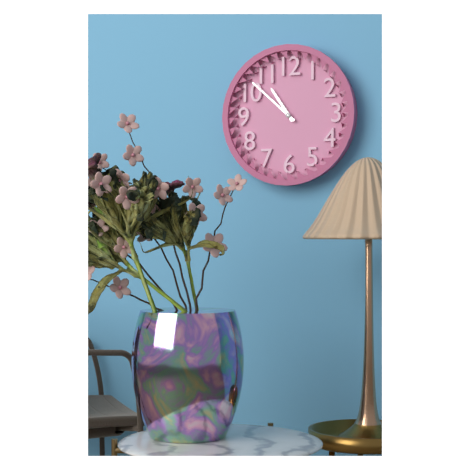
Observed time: 10h52
